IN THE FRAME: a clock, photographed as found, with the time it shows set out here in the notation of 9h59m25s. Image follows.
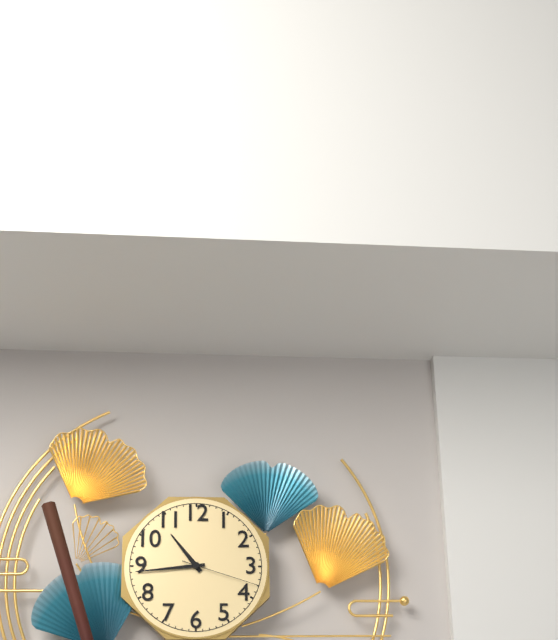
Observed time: 10h44m18s
